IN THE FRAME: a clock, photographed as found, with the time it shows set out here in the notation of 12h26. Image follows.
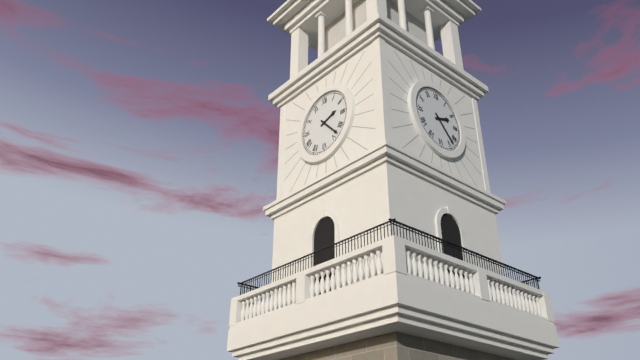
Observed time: 2h23
